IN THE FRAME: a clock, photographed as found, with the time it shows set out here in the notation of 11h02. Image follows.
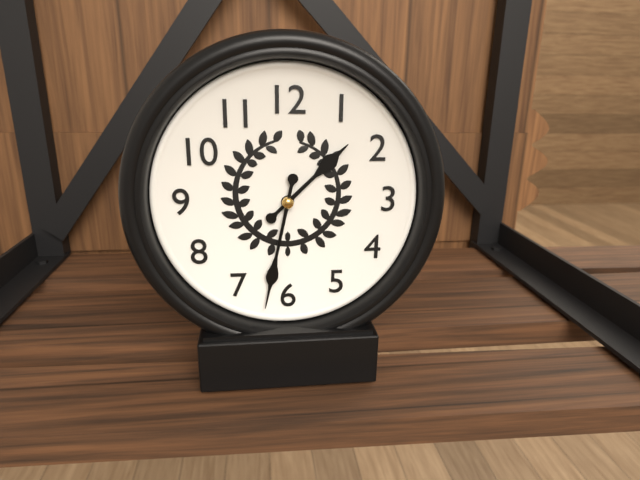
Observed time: 1h32
